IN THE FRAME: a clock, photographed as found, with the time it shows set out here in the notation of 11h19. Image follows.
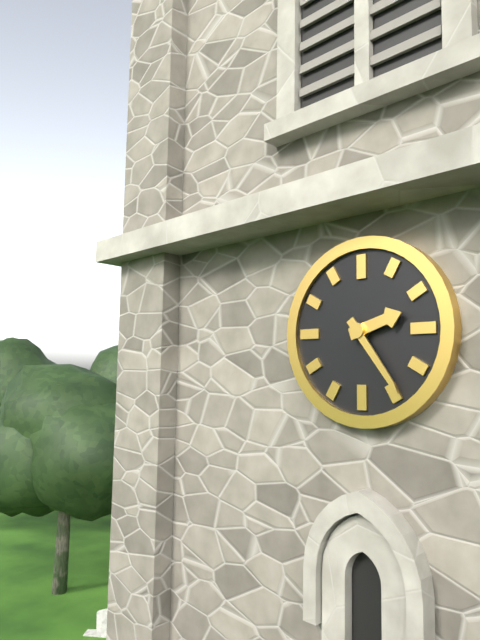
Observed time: 2h24
